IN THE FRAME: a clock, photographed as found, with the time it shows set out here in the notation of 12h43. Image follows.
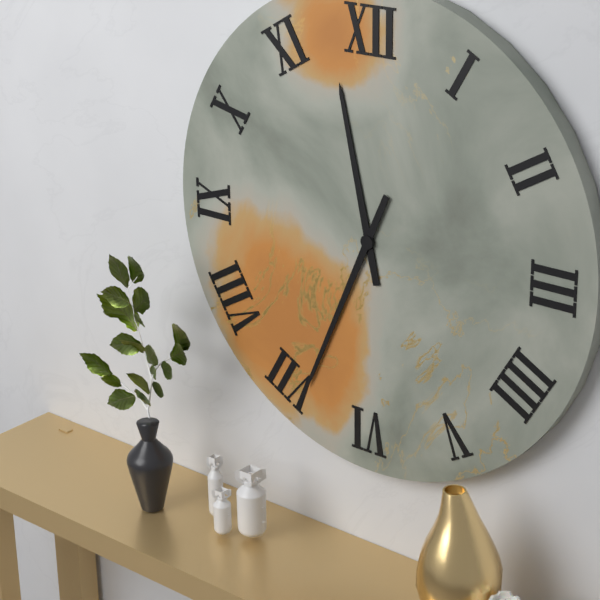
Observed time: 11h34
